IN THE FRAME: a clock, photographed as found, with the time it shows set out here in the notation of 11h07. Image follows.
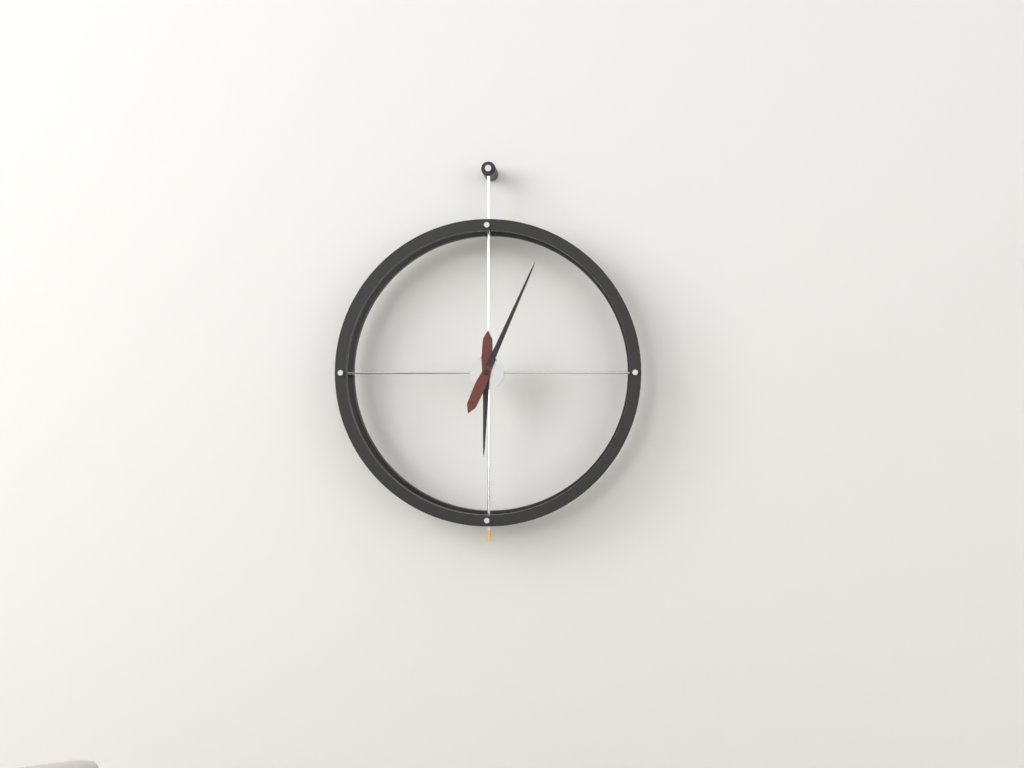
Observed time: 6h04
